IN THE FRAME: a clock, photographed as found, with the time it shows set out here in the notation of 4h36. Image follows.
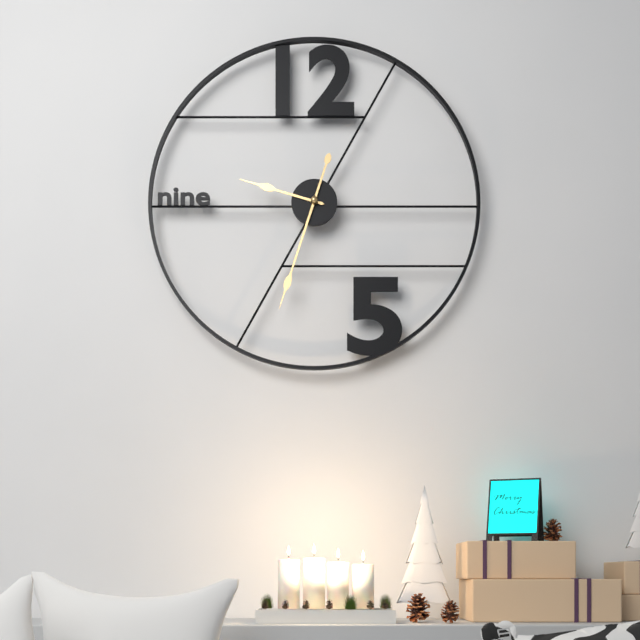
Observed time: 9h33
